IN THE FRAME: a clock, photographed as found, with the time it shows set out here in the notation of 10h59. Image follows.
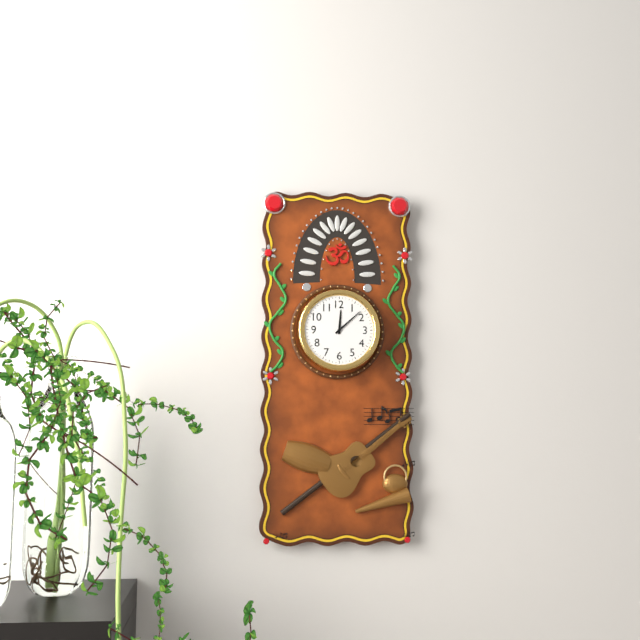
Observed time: 12h08
